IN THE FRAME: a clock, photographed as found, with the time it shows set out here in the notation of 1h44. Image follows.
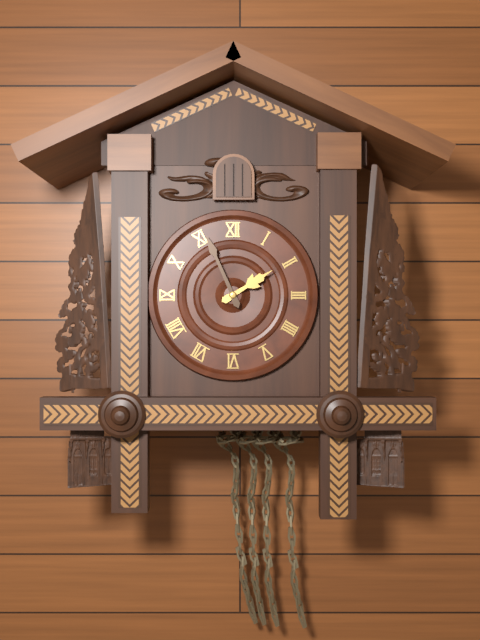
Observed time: 1h56
